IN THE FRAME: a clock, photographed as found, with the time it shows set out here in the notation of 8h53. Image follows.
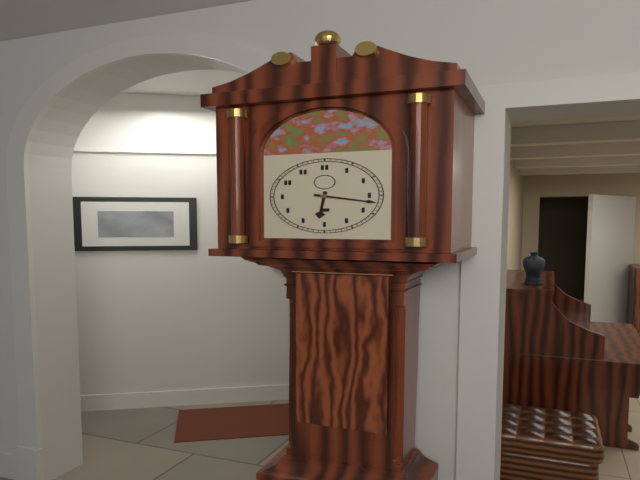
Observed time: 6h17
